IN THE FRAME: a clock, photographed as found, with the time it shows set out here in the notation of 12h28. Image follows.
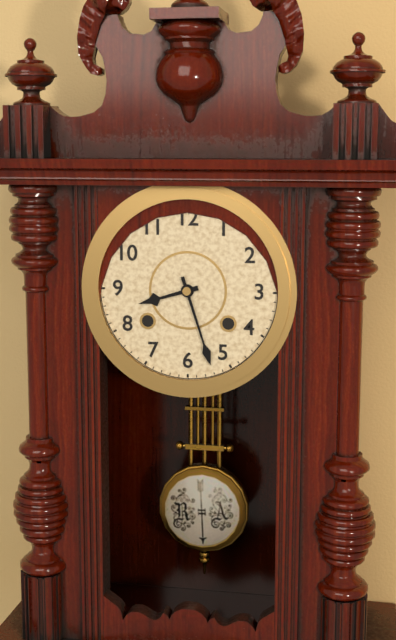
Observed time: 8h27
